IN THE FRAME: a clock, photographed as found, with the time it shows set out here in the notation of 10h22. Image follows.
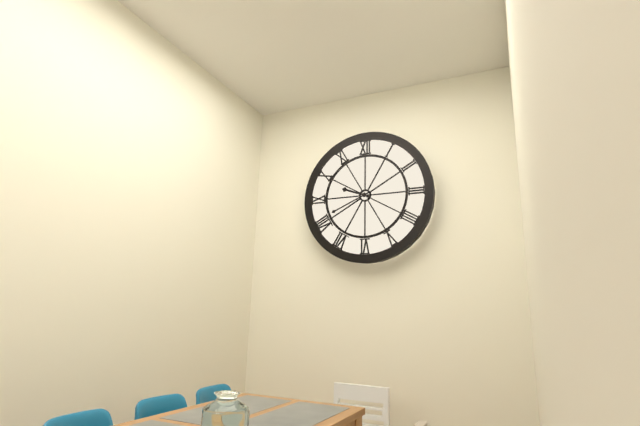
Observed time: 9h41
